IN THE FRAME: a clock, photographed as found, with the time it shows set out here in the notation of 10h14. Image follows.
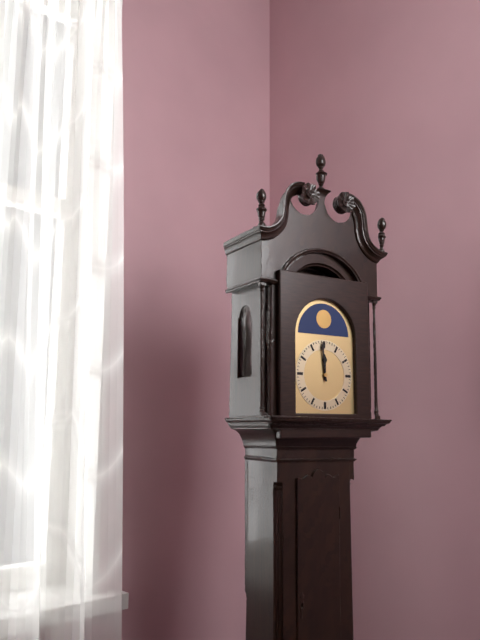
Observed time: 11h59
